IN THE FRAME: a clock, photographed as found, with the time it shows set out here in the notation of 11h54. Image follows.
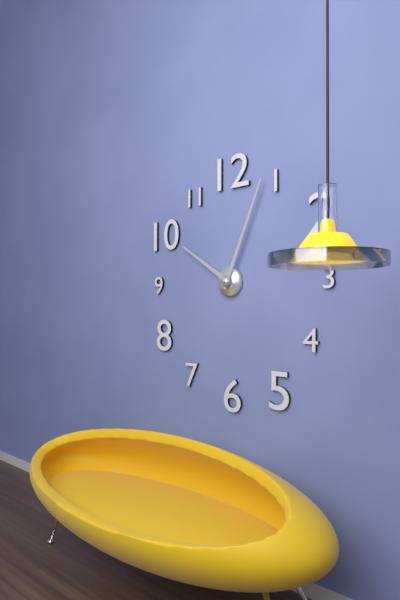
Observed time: 10h04
